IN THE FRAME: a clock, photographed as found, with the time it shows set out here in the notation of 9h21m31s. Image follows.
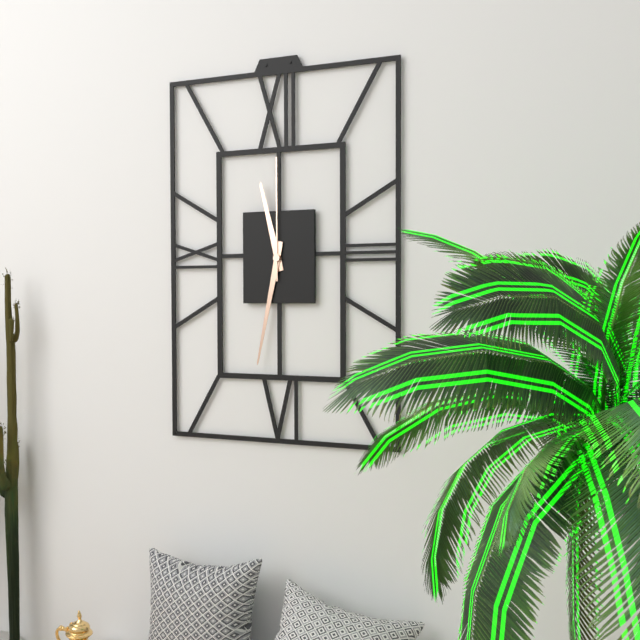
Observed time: 11h32m00s
